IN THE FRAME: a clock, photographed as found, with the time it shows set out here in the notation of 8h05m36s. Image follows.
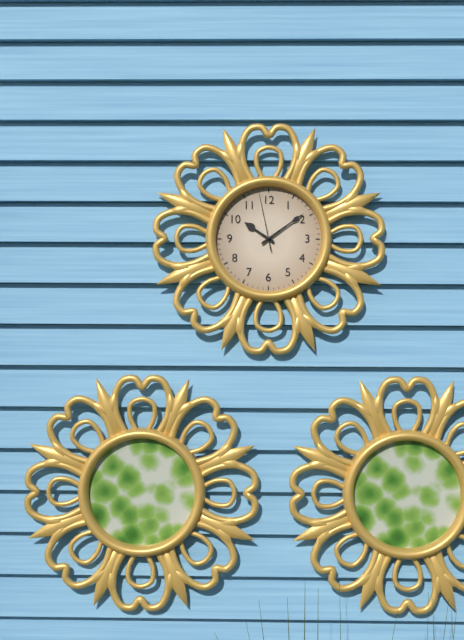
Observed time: 10h09m58s
